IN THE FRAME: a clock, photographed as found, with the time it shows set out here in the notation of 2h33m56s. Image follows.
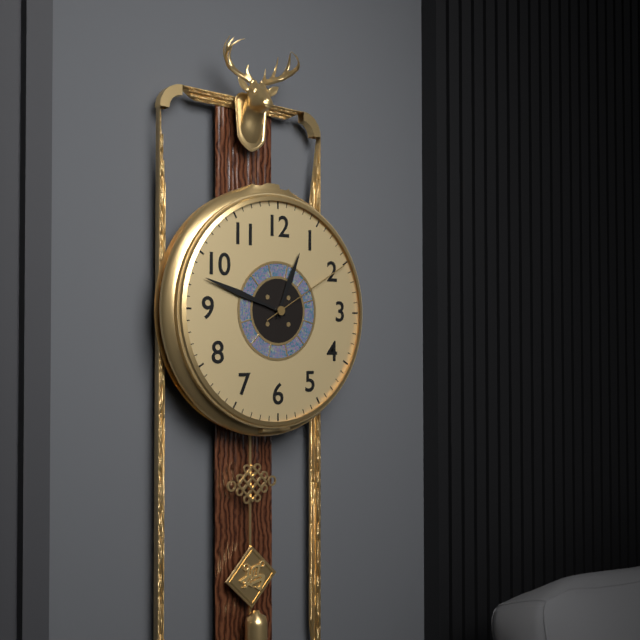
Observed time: 12h48m10s
